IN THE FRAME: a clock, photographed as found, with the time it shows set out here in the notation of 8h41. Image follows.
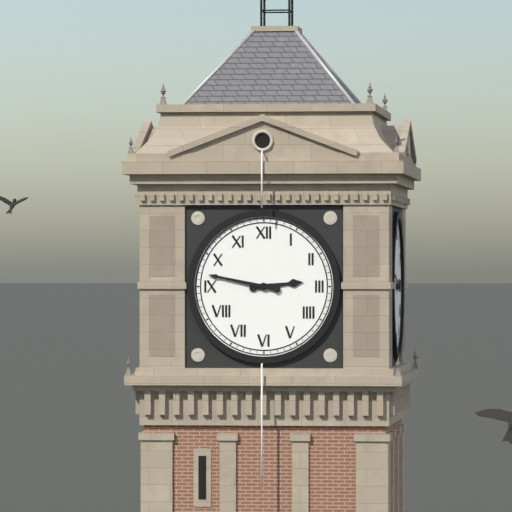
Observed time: 2h47
